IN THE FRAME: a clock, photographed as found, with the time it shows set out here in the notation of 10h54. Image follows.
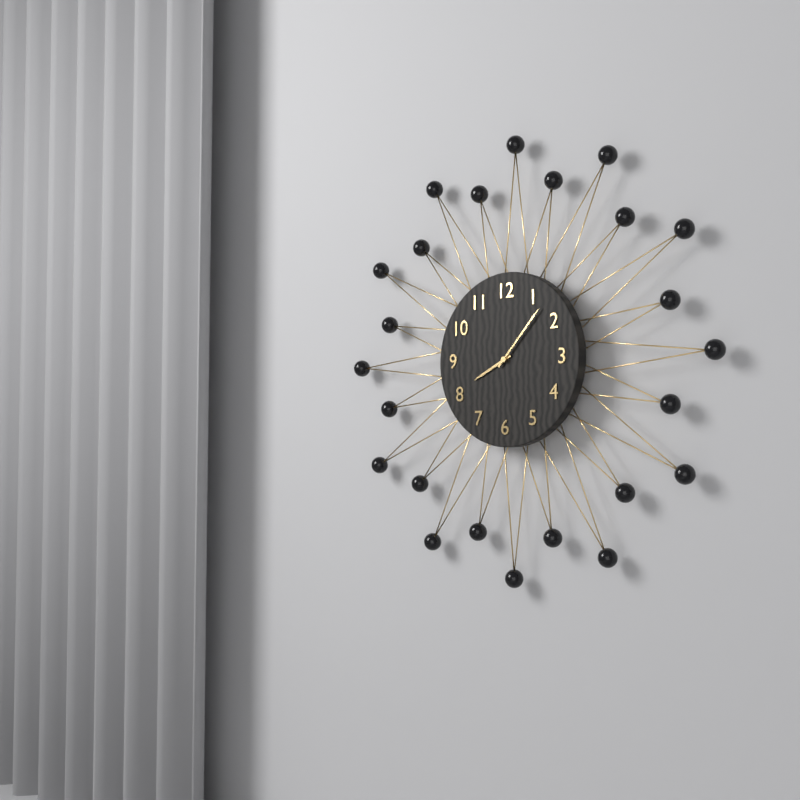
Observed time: 8h07
